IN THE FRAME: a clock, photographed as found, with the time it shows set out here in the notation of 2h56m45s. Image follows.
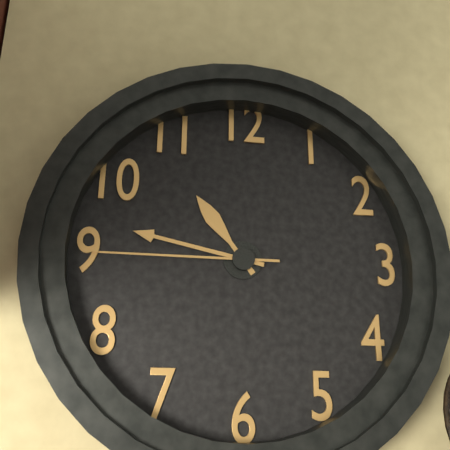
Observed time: 10h47m45s
